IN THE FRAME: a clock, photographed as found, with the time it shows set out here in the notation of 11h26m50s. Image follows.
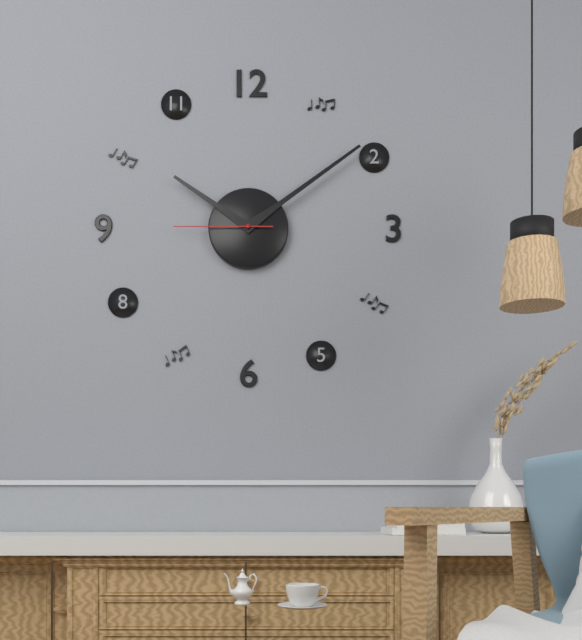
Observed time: 10h09m45s
